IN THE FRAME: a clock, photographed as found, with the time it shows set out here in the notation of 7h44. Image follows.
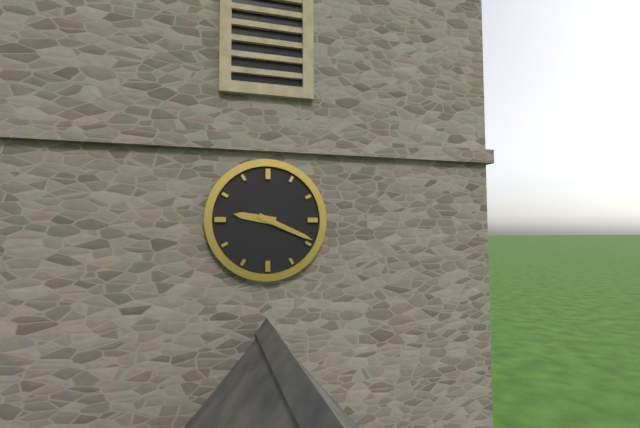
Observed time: 9h19
